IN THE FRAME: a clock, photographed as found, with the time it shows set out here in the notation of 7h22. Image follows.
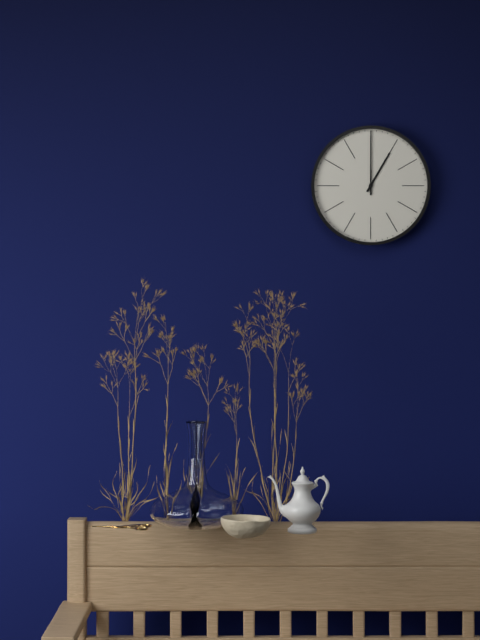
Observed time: 1h00
